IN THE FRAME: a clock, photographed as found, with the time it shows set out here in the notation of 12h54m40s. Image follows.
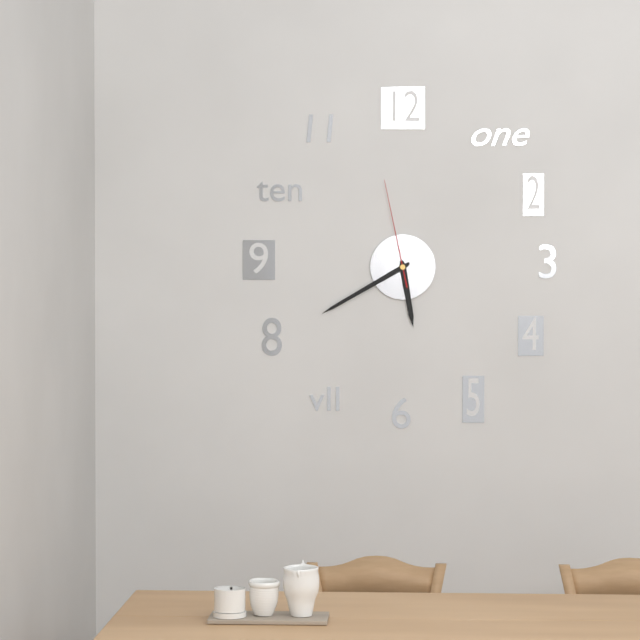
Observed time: 5h40m58s
